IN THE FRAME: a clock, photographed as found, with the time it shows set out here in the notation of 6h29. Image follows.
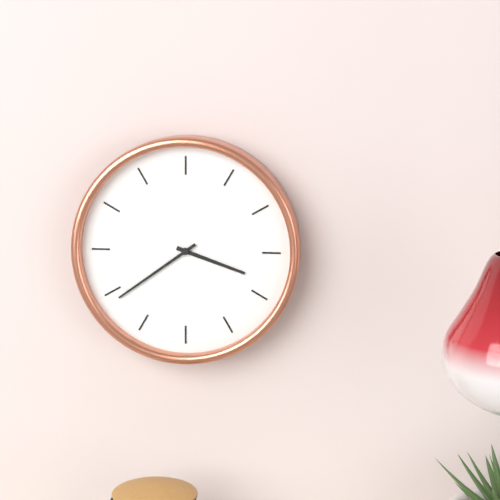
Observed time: 3h39
